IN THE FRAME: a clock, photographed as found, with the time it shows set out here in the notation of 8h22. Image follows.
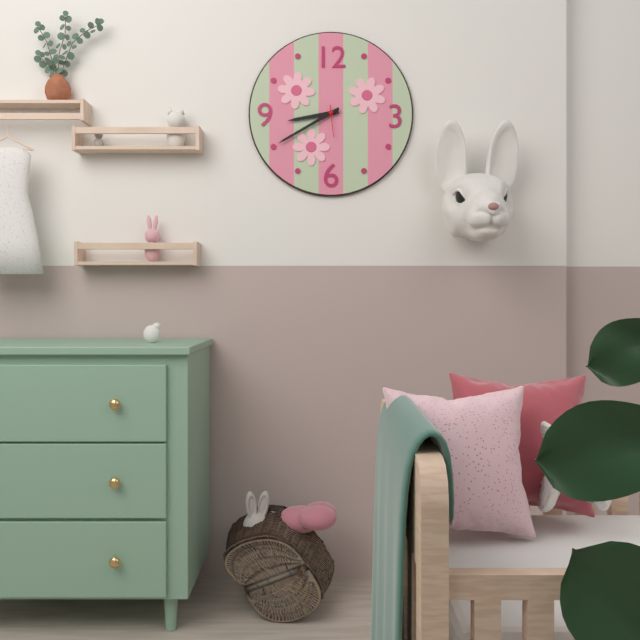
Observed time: 8h40
